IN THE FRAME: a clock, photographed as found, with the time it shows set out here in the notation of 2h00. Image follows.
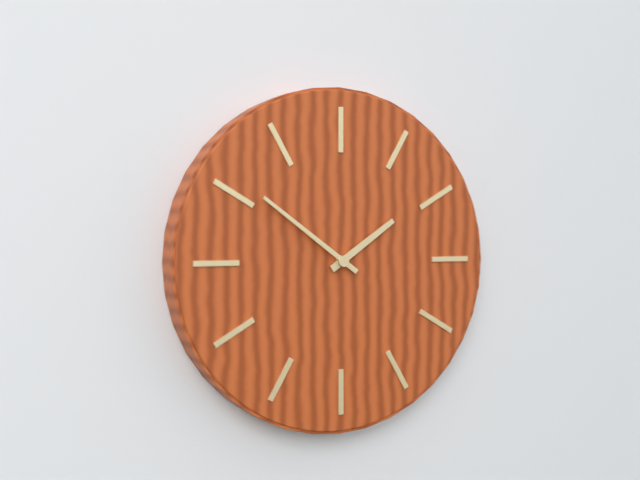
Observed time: 1h51
